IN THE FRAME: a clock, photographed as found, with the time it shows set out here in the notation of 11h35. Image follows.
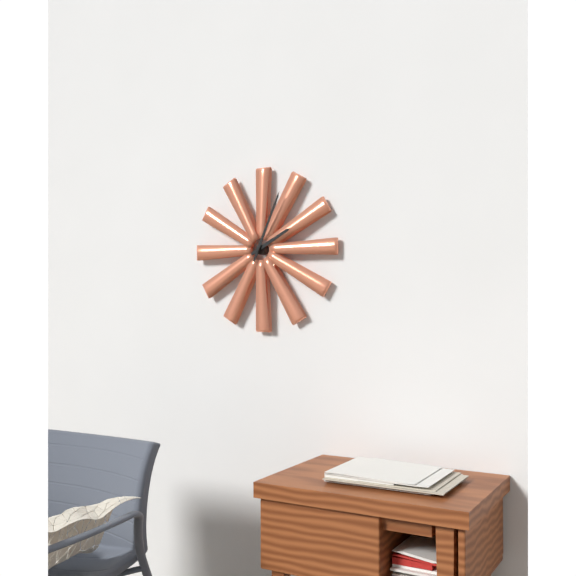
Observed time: 2h04
